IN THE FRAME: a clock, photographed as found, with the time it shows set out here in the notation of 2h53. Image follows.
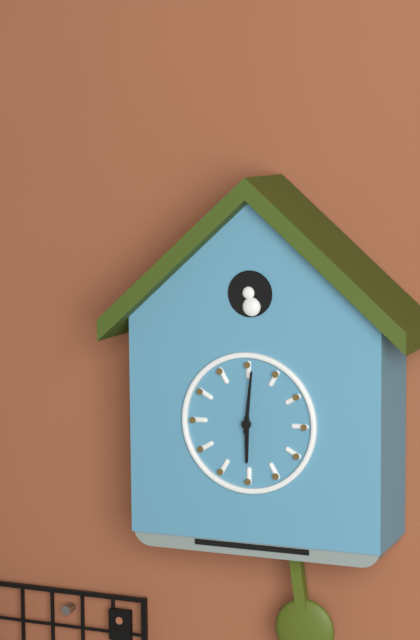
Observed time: 6h01
